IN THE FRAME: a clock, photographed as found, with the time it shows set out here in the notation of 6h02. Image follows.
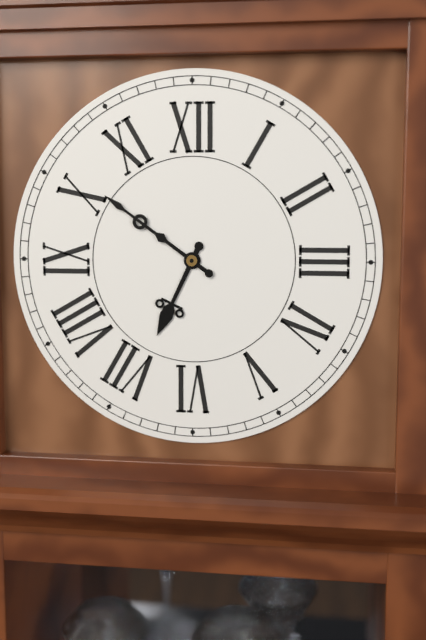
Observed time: 6h51
